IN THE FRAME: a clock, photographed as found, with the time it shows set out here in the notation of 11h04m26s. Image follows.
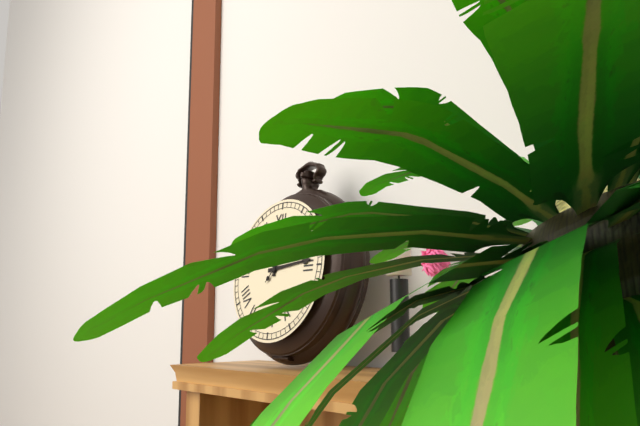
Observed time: 12h14m07s
